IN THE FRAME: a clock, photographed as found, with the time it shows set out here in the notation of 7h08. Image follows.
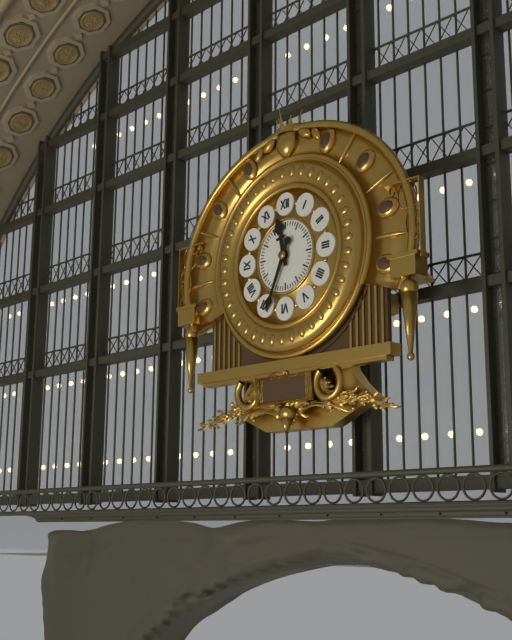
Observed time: 11h34
